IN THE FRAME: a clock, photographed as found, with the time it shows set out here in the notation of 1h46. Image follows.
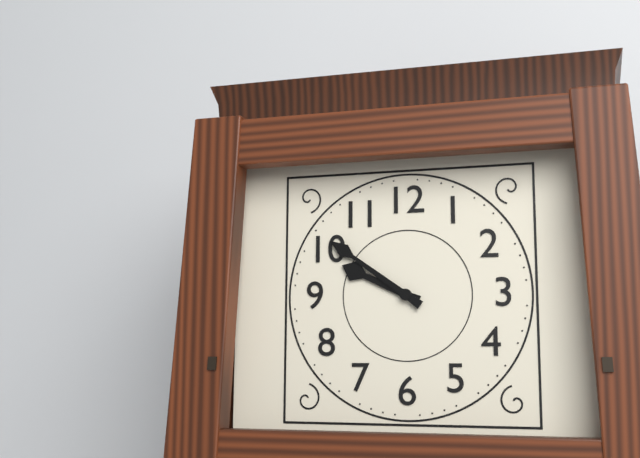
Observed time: 9h51
